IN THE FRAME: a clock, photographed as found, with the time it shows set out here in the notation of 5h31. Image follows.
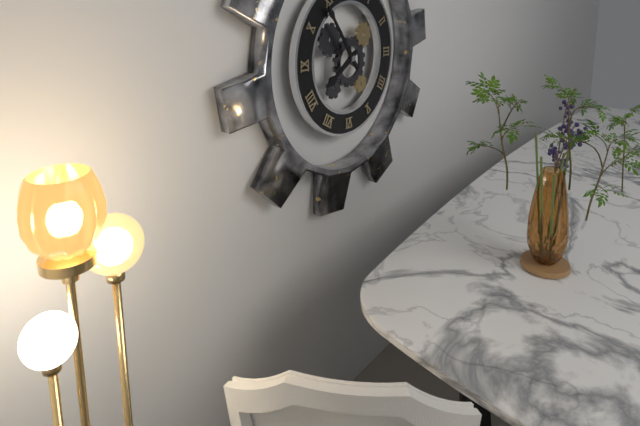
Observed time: 7h54
